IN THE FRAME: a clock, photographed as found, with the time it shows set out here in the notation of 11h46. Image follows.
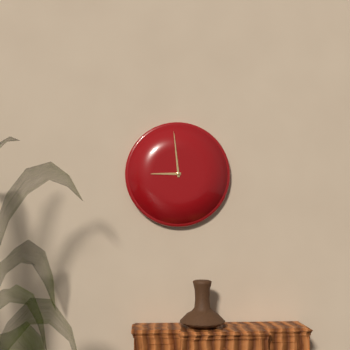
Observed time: 8h59
